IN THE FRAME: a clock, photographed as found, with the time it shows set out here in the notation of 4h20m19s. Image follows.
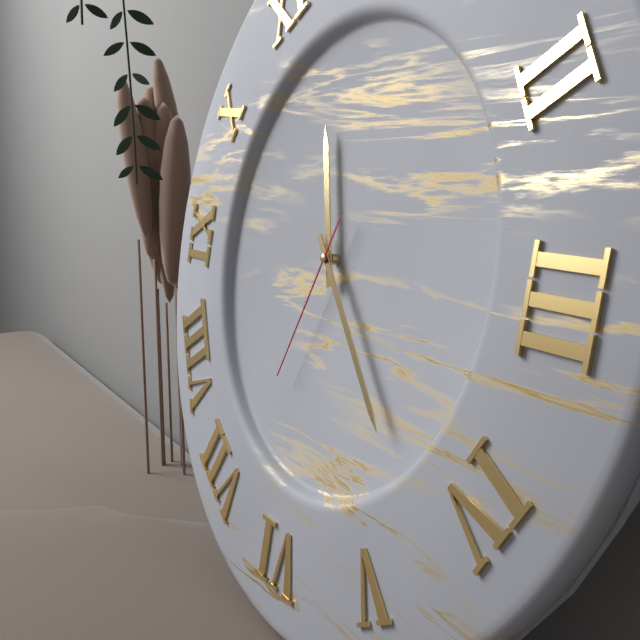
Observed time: 11h23m34s
